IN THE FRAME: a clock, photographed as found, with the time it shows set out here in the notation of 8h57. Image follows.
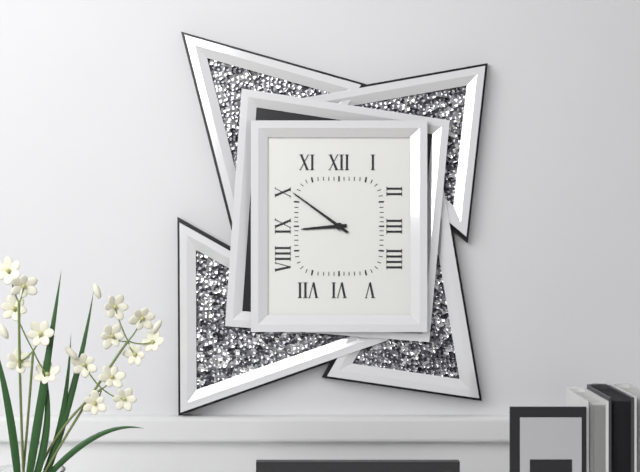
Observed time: 8h51
